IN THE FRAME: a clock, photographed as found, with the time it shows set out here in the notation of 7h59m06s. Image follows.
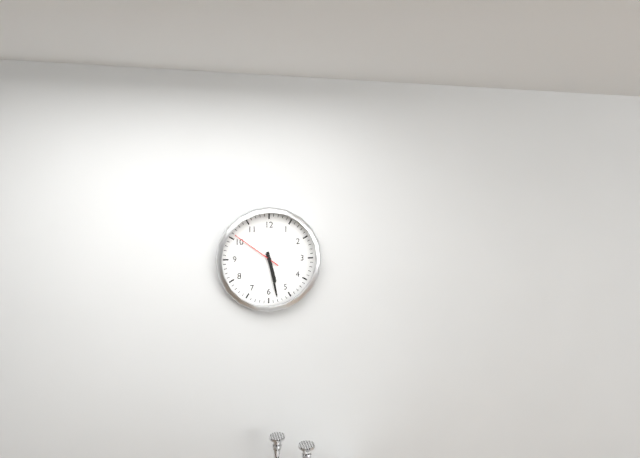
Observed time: 5h28m51s
